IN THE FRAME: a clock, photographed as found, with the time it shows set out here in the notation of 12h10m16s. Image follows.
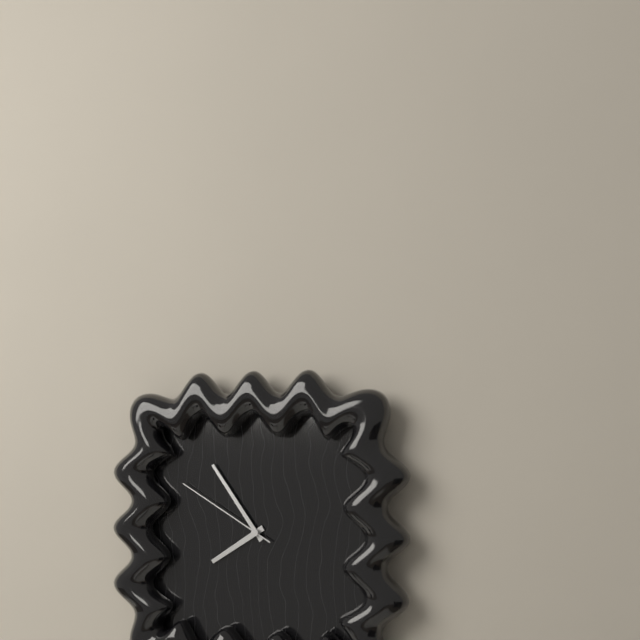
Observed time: 7h54m50s
